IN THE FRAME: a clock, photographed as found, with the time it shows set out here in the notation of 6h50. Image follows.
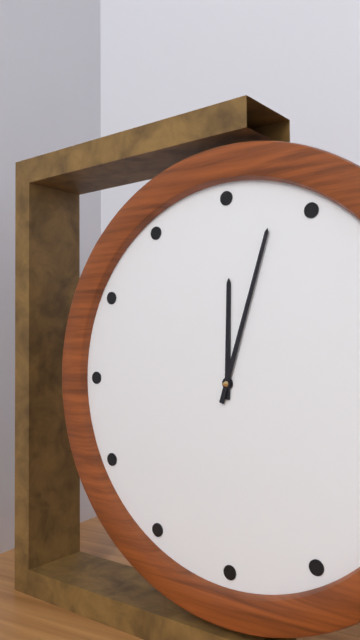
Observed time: 12h03
